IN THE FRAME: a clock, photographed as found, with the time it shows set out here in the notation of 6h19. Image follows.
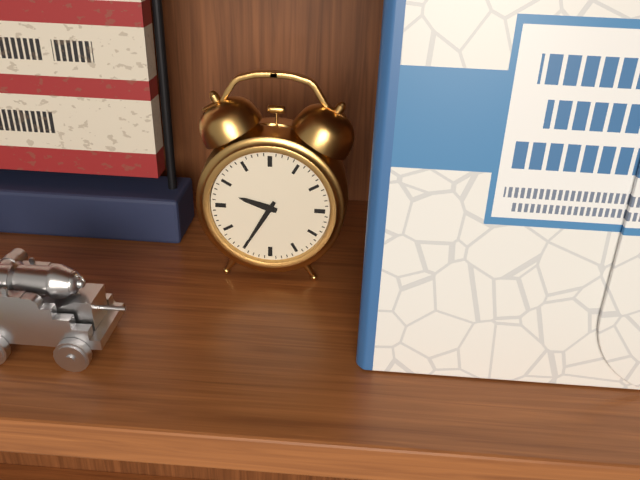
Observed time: 9h35
